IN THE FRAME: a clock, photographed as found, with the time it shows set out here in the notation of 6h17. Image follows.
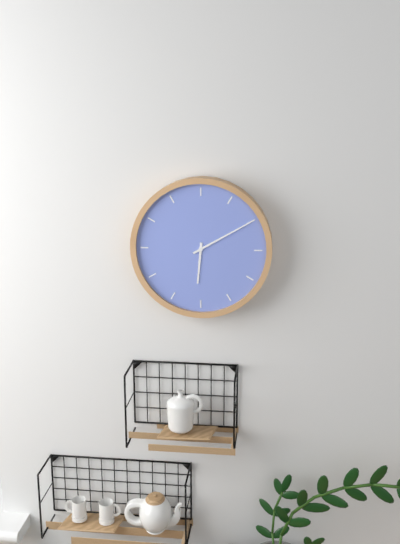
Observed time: 6h10
